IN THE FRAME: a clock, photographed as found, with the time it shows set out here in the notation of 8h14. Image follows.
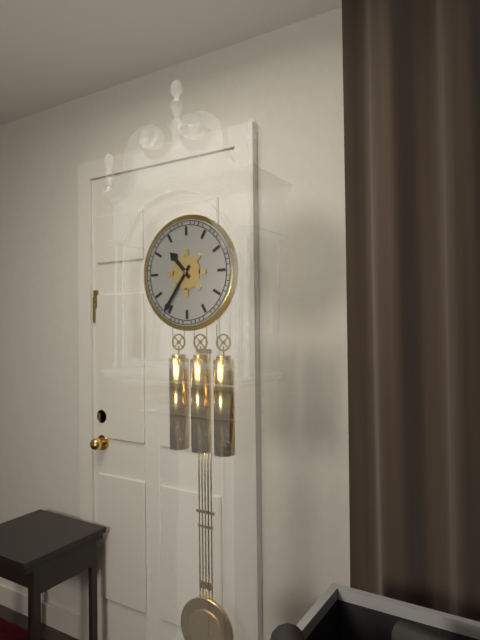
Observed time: 10h36
